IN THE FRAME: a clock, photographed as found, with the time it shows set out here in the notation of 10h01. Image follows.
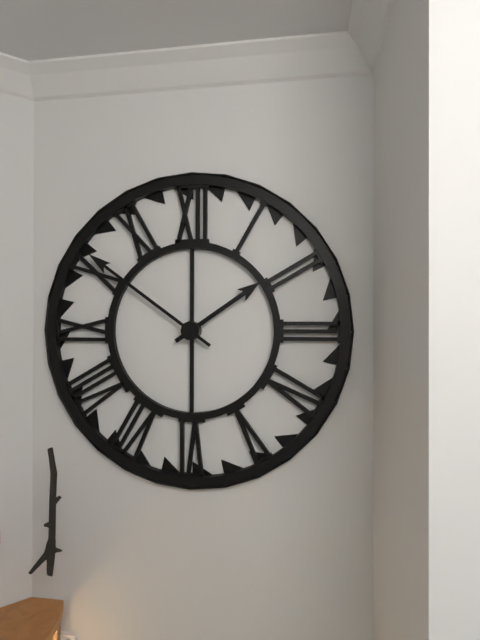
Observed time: 1h51
